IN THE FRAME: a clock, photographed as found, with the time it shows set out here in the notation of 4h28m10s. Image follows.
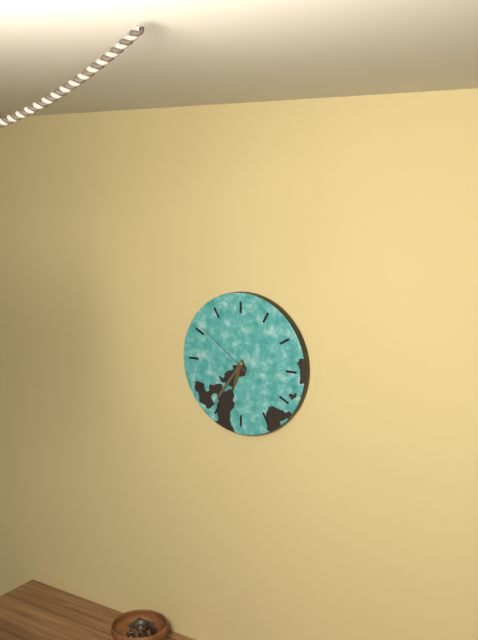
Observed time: 6h36m51s
